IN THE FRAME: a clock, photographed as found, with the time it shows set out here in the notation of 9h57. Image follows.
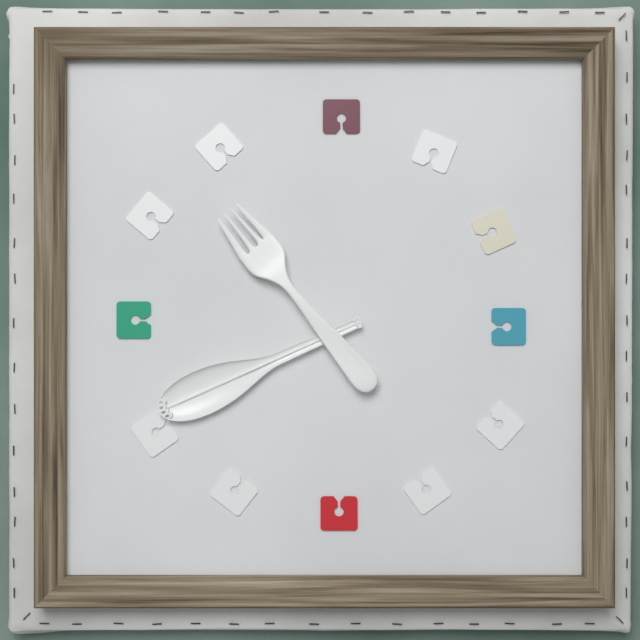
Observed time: 10h41
